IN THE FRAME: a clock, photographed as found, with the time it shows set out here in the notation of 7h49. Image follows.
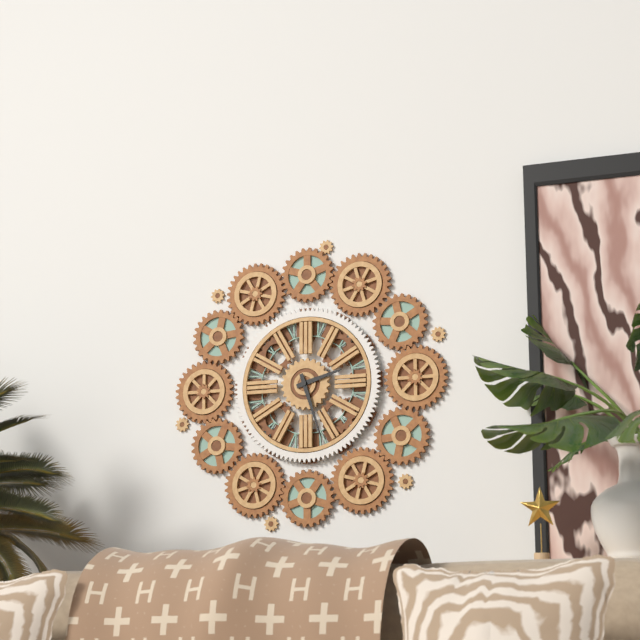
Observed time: 2h27
